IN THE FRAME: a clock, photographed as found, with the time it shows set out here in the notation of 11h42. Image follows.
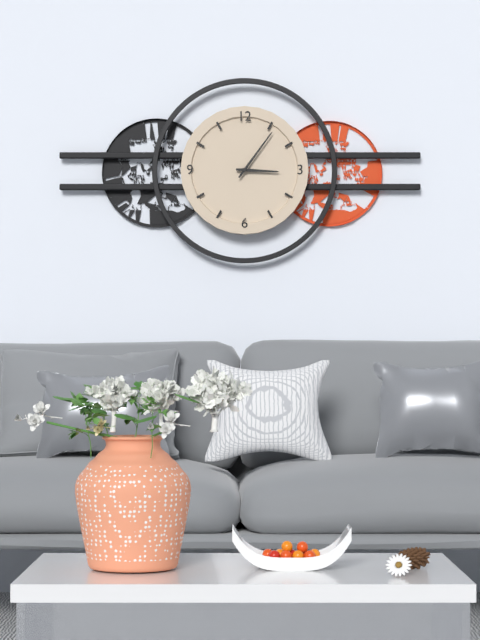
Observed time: 3h06
